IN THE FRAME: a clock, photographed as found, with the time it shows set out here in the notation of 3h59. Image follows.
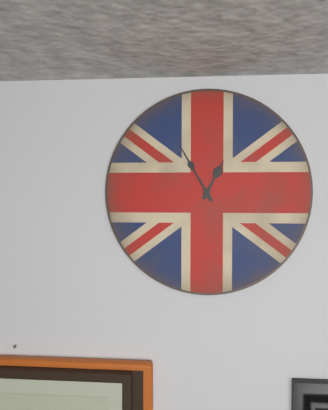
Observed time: 12h55
